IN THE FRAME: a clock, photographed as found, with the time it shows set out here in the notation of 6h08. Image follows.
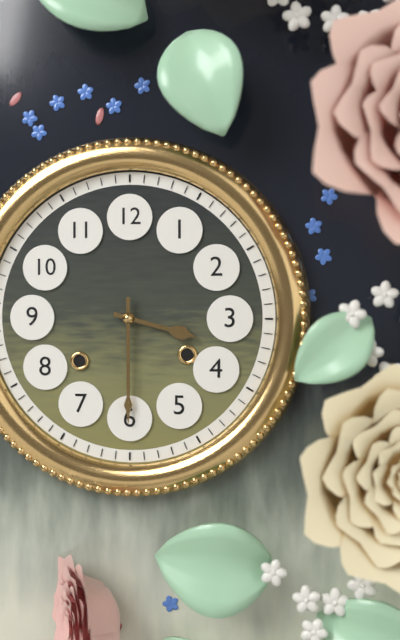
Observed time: 3h30
